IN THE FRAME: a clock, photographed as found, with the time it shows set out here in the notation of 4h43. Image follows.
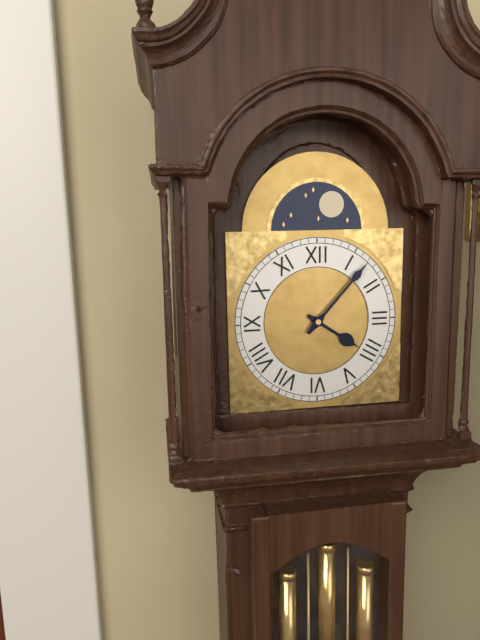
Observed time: 4h07
